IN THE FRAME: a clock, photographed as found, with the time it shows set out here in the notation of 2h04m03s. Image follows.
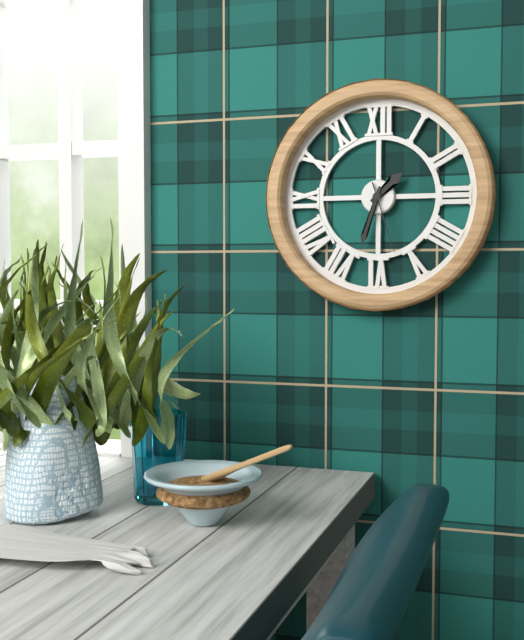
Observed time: 1h33m27s
